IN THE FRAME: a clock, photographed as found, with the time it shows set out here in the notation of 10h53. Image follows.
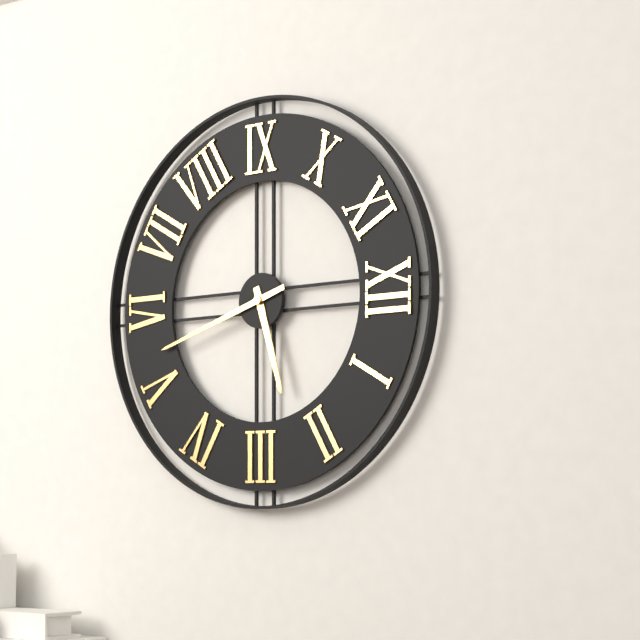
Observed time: 2h27
